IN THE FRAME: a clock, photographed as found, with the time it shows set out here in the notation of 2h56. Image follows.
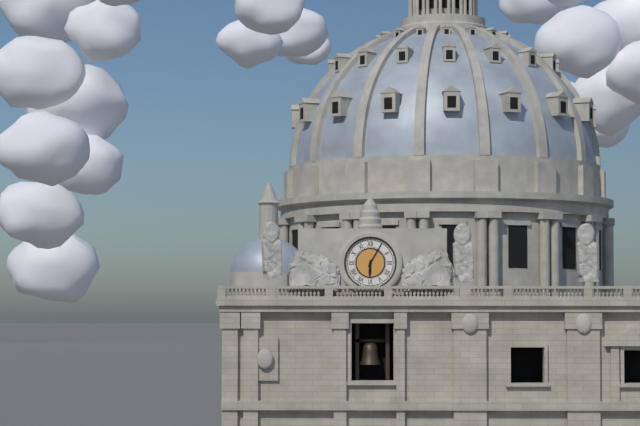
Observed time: 6h05
